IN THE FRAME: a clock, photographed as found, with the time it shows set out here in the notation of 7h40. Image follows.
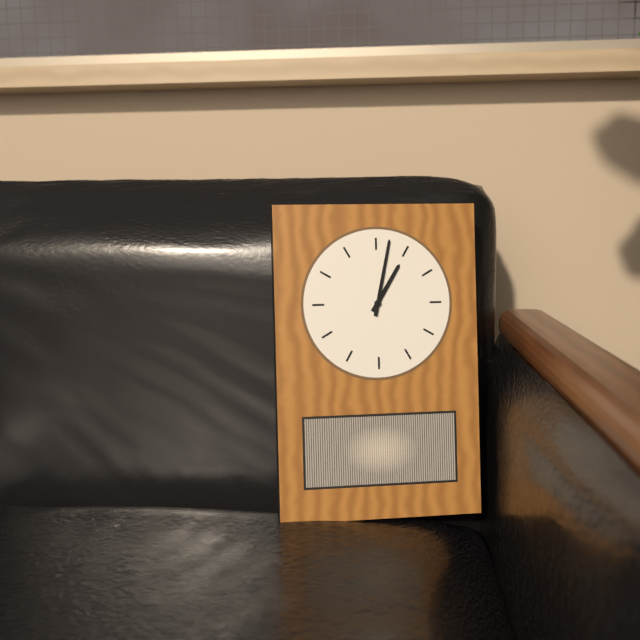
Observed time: 1h02
